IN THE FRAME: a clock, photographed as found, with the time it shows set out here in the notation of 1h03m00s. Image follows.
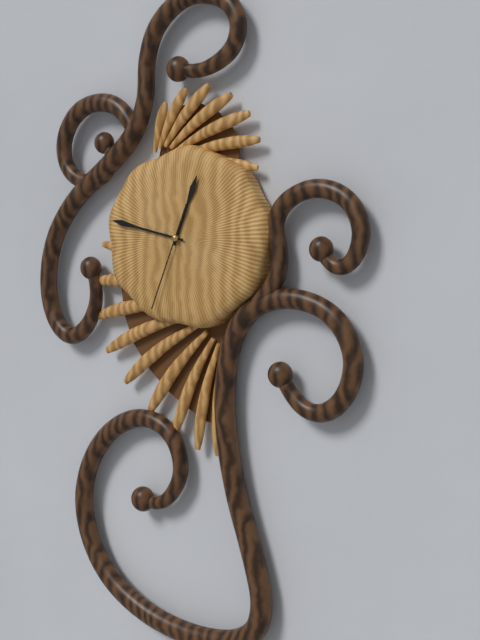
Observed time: 12h47m34s
